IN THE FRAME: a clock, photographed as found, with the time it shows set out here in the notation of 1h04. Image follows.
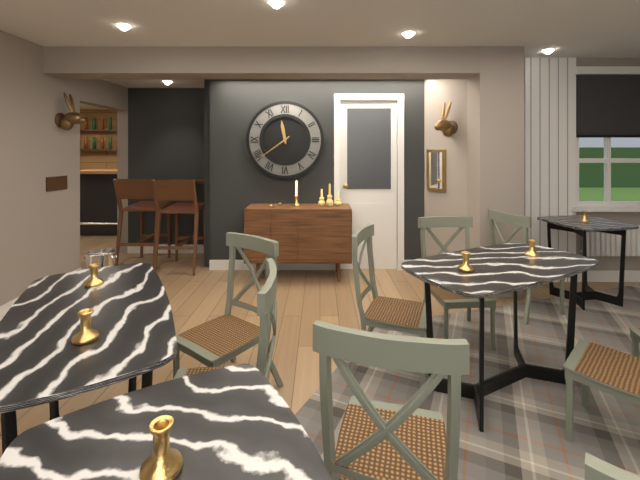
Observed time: 11h39
